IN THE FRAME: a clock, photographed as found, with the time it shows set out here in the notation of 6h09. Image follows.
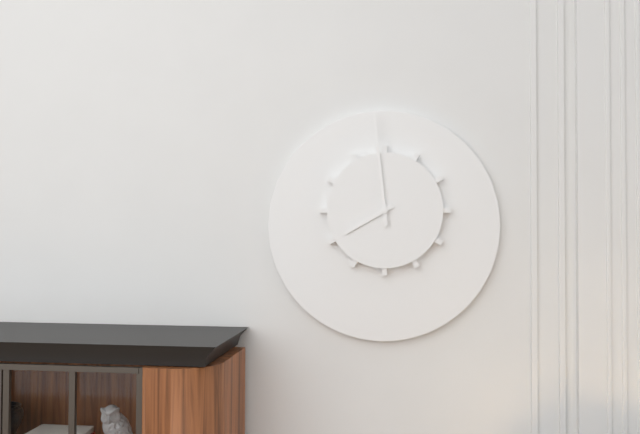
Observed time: 7h59
